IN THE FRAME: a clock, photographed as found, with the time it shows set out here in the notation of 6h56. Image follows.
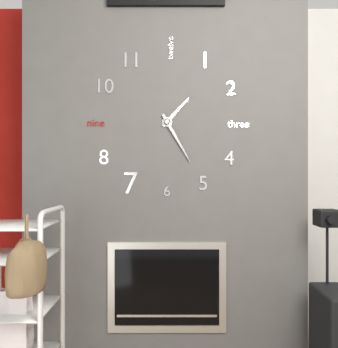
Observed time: 1h25
